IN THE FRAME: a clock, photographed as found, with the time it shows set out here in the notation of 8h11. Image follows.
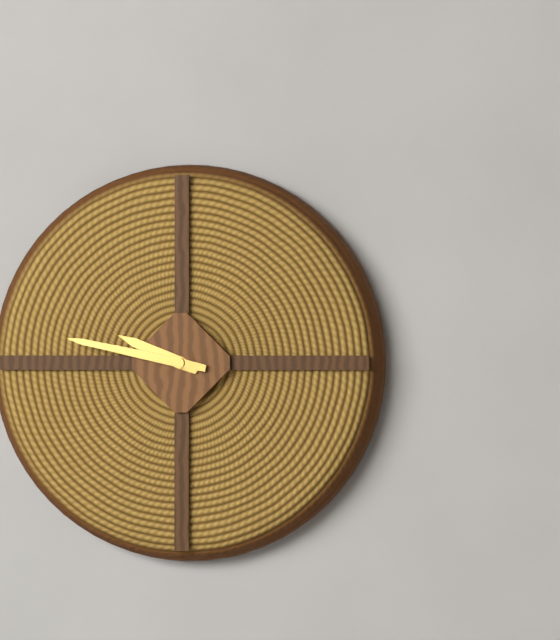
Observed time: 9h47
